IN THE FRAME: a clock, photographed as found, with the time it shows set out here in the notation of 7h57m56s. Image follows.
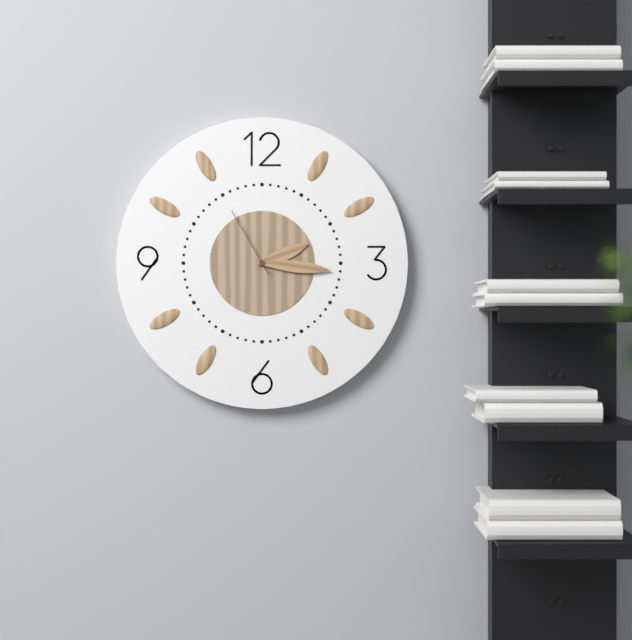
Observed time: 2h16m55s
